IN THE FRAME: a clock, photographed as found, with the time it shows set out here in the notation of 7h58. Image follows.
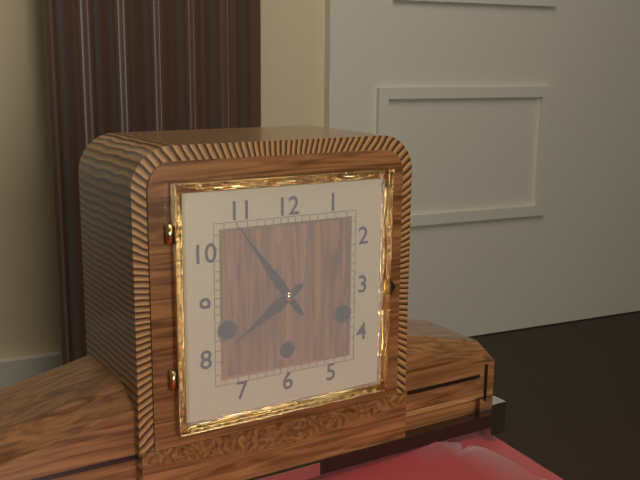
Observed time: 7h54
